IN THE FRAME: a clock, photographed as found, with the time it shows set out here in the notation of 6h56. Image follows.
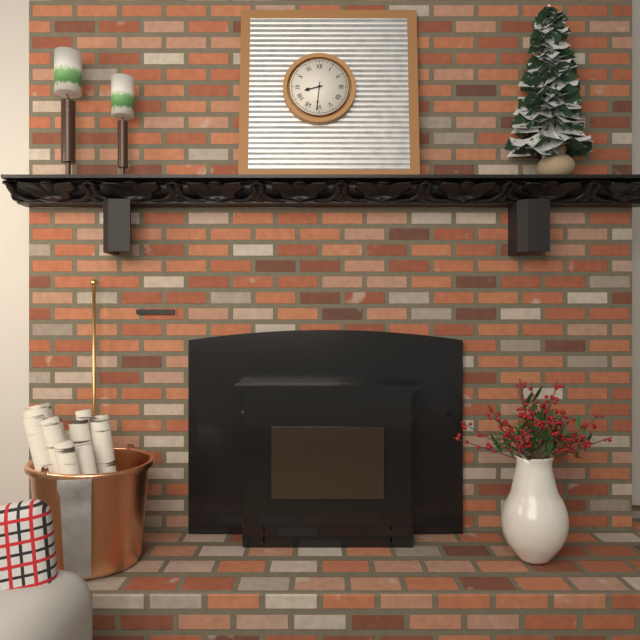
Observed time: 8h31
